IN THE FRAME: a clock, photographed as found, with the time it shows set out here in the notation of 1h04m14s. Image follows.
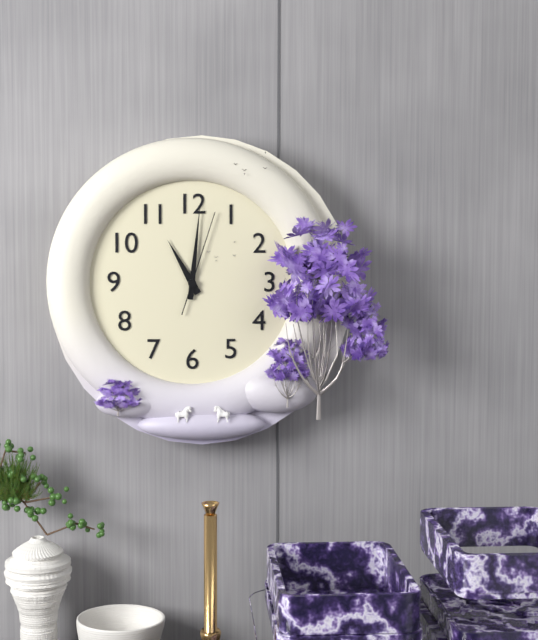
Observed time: 11h01m03s
